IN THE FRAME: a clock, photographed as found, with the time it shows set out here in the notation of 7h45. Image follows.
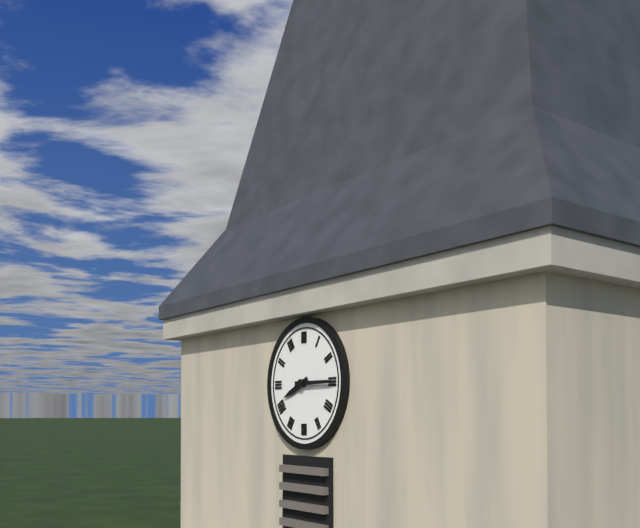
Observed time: 8h15
